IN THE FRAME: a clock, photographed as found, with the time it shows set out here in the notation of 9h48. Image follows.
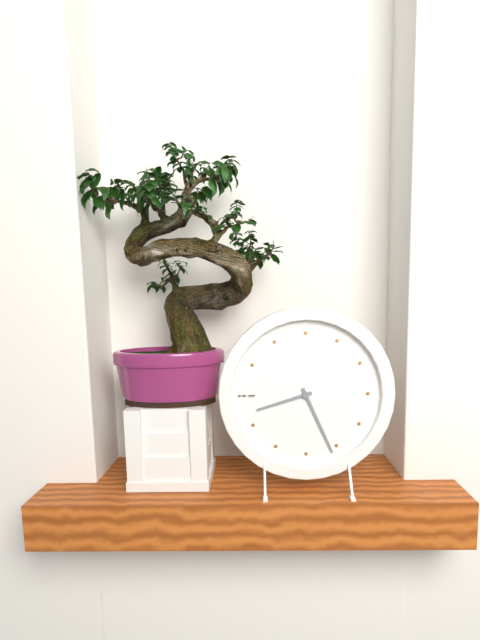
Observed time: 8h26
